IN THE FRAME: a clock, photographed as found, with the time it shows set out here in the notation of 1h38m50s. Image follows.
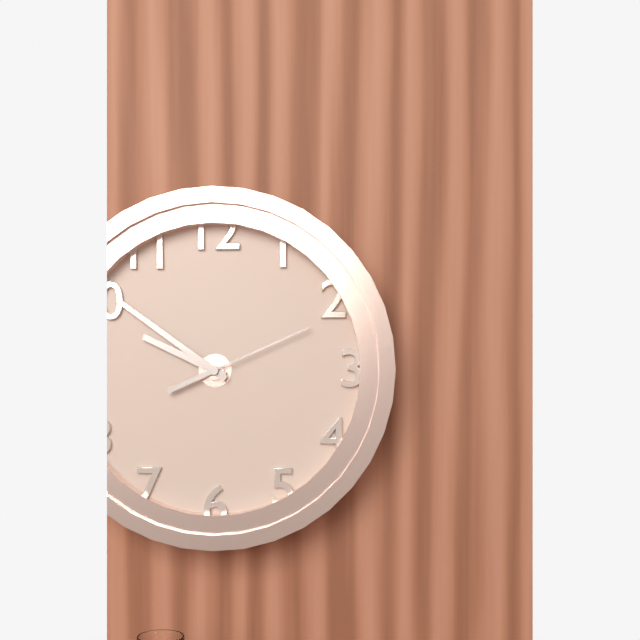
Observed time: 9h51m11s
